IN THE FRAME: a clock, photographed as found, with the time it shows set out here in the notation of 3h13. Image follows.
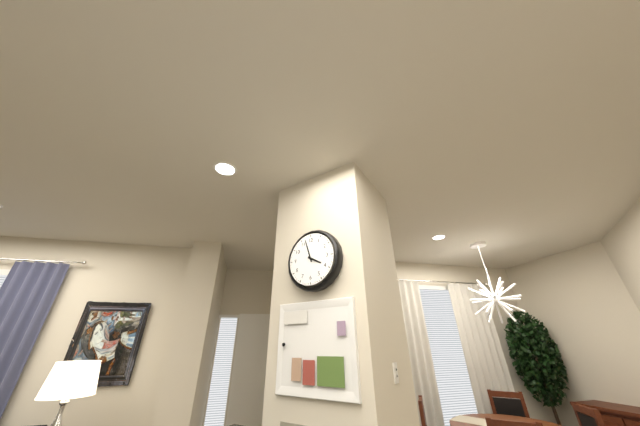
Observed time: 3h57
